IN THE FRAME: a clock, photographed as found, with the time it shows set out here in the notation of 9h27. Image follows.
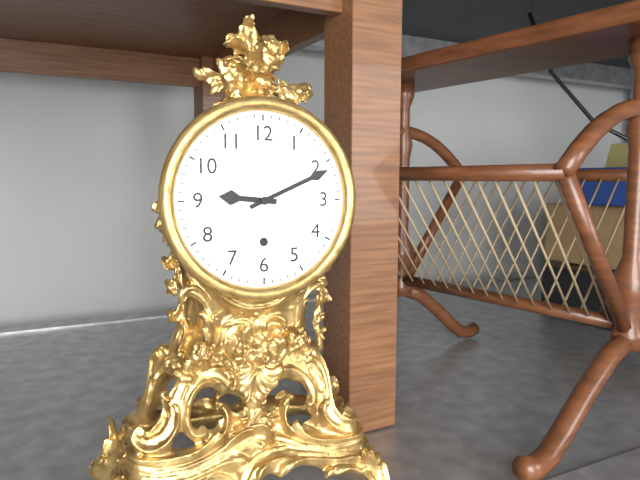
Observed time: 9h11
